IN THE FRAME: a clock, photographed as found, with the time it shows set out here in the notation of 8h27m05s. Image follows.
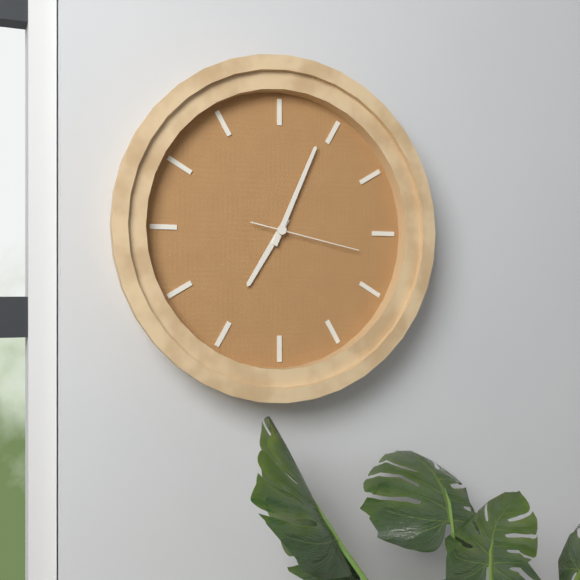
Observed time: 7h04m17s
